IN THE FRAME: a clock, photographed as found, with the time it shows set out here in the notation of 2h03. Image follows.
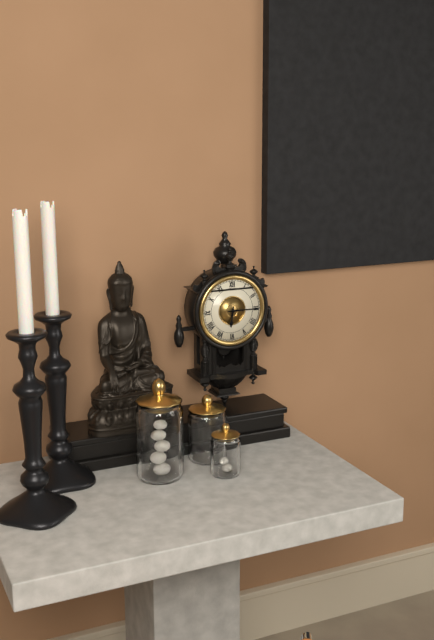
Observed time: 6h15
